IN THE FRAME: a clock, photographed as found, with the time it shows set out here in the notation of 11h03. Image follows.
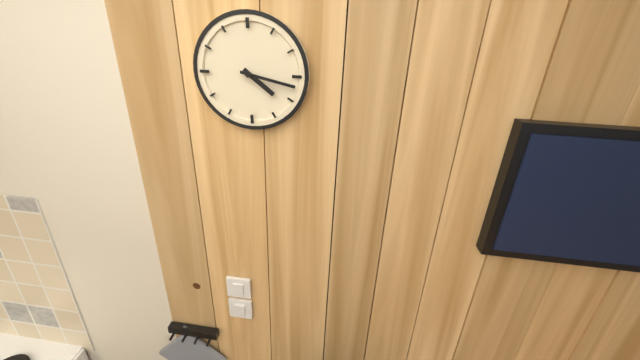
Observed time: 4h17
